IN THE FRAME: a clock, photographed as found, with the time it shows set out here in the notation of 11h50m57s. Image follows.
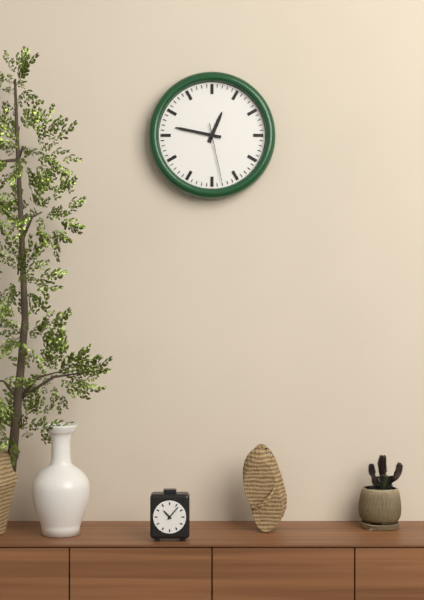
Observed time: 12h47m28s
